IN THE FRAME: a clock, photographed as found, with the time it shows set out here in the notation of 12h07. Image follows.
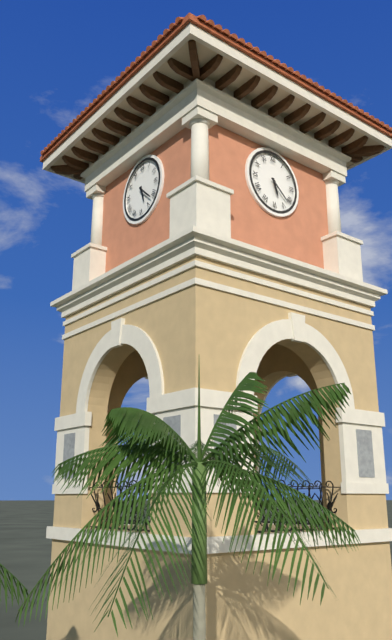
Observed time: 5h22
